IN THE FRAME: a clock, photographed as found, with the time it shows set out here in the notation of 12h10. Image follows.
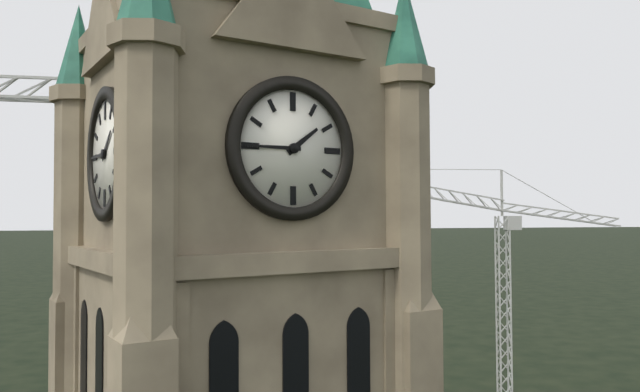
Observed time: 1h45
